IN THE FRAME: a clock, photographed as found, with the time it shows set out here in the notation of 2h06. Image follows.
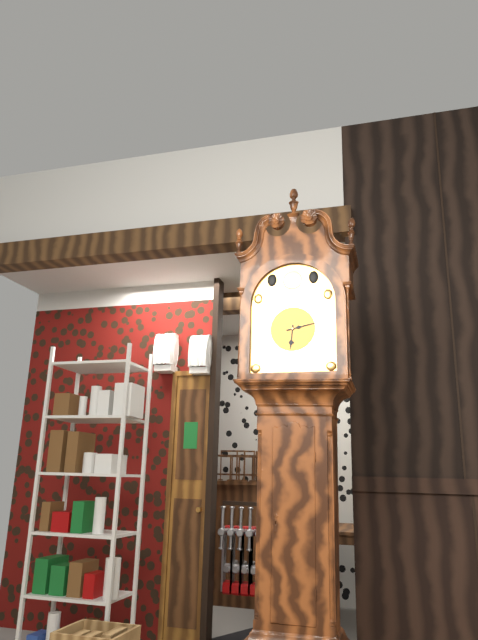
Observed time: 6h13
